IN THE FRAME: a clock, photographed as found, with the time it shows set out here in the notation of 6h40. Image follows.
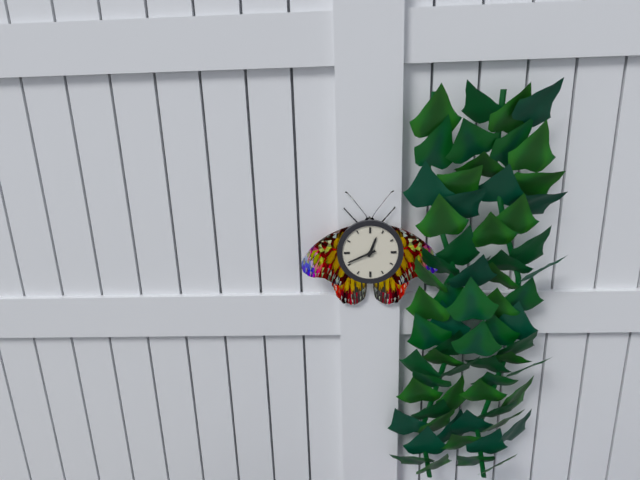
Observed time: 12h41
